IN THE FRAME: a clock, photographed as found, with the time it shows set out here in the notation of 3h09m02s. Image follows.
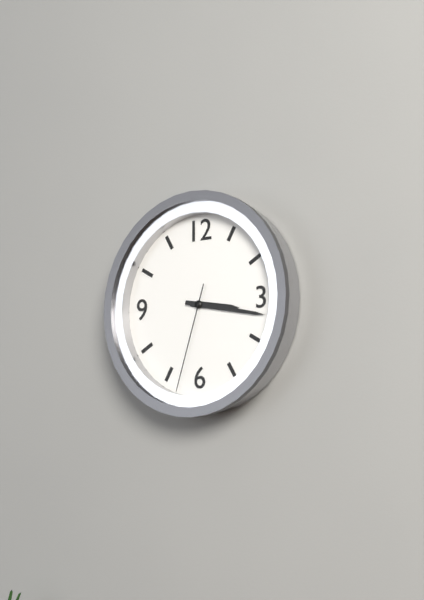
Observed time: 3h17m33s
